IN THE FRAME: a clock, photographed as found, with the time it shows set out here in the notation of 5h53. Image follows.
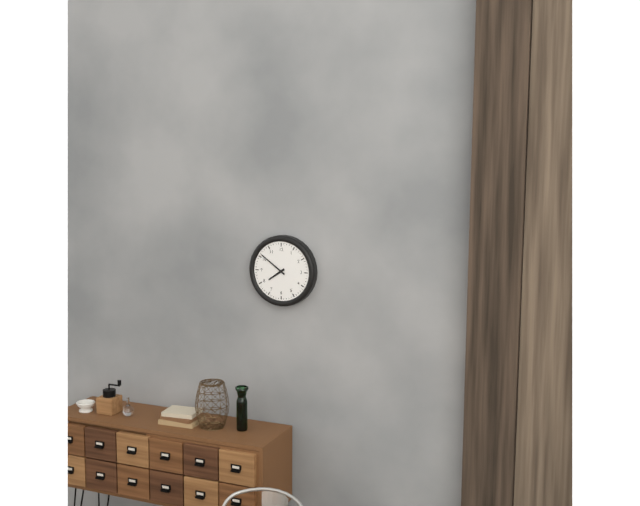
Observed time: 7h51
